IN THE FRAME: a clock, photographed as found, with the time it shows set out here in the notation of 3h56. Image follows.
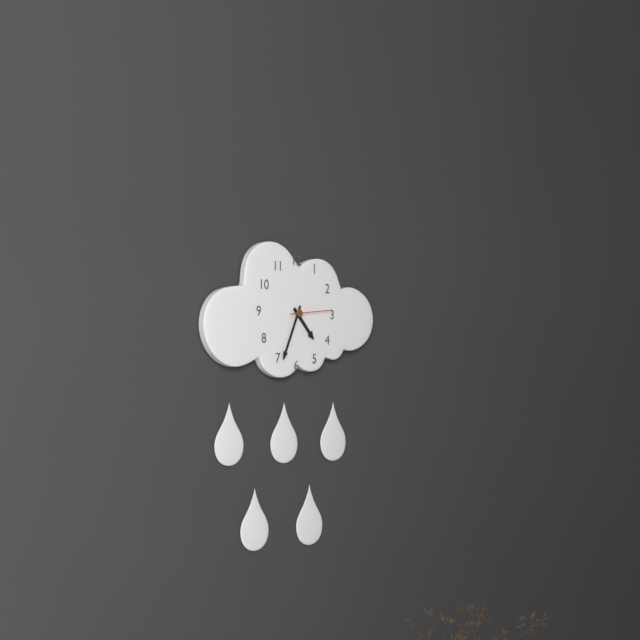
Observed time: 4h34
